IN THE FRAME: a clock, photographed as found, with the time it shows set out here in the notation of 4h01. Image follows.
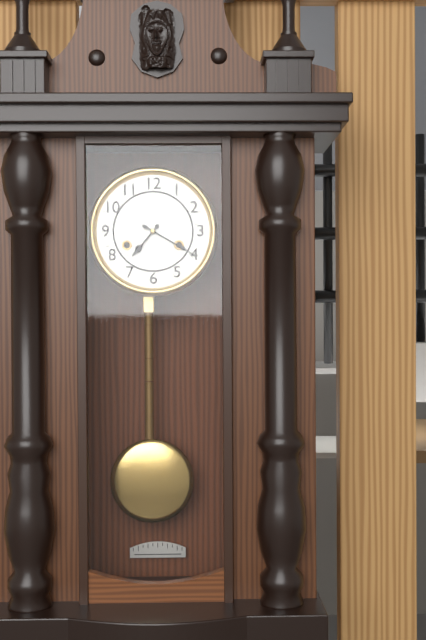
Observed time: 7h20
